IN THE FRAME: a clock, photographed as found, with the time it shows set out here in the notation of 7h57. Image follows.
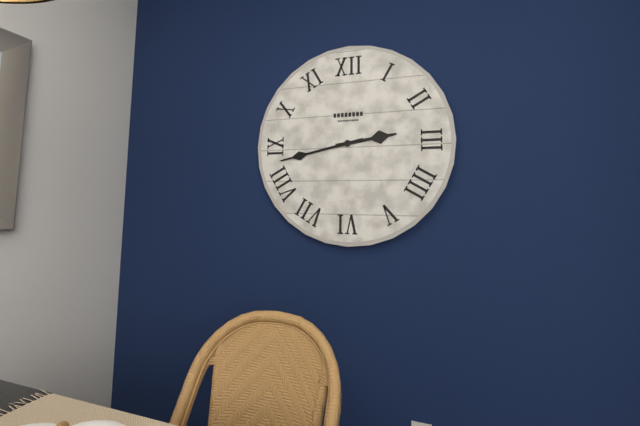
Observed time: 2h43
